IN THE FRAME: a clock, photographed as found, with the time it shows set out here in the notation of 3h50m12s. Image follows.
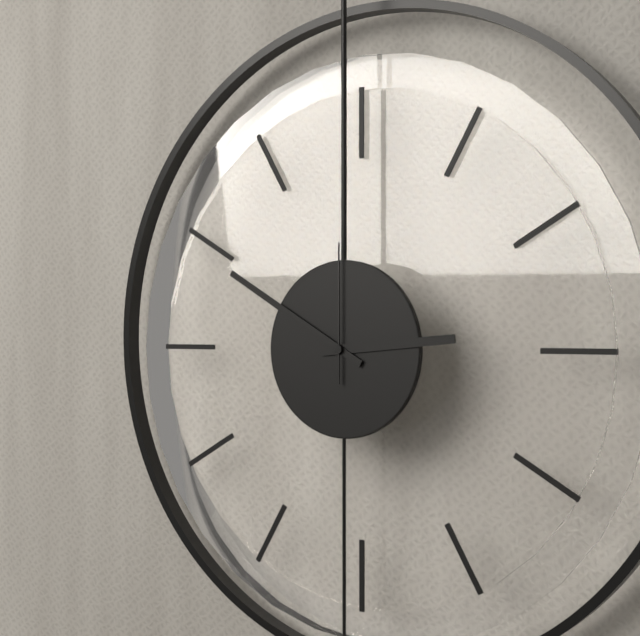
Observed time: 2h50m00s
